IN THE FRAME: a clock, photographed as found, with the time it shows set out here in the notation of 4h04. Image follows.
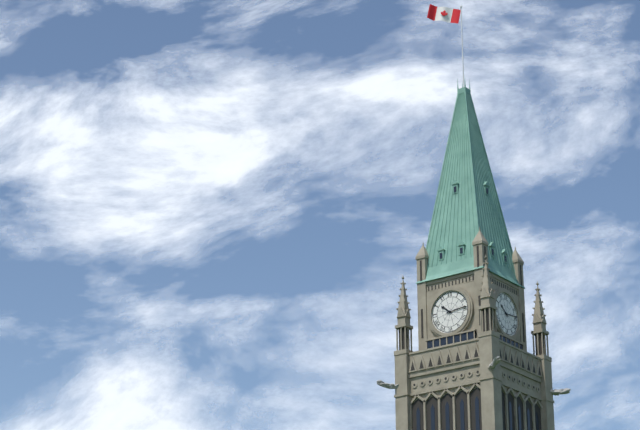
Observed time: 10h14
